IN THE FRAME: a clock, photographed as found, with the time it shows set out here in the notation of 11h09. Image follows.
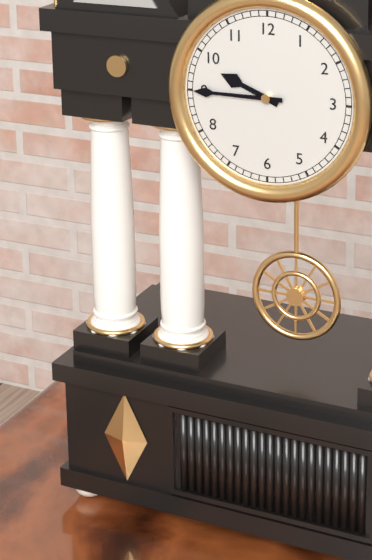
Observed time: 9h45
